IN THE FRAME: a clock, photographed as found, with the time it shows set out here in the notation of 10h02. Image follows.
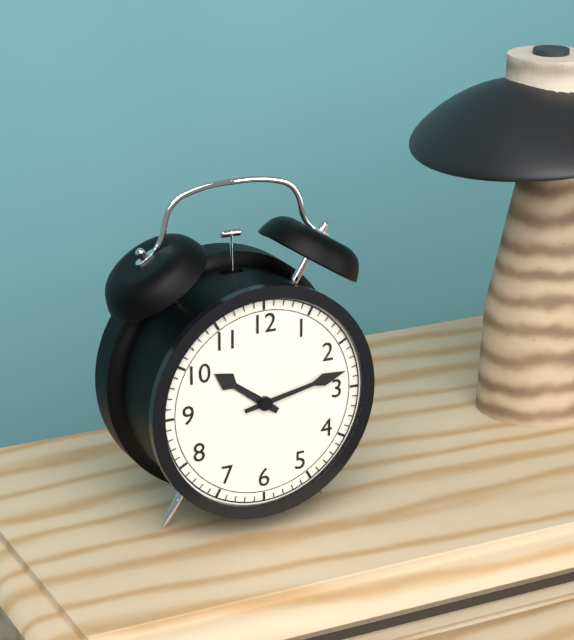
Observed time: 10h13
